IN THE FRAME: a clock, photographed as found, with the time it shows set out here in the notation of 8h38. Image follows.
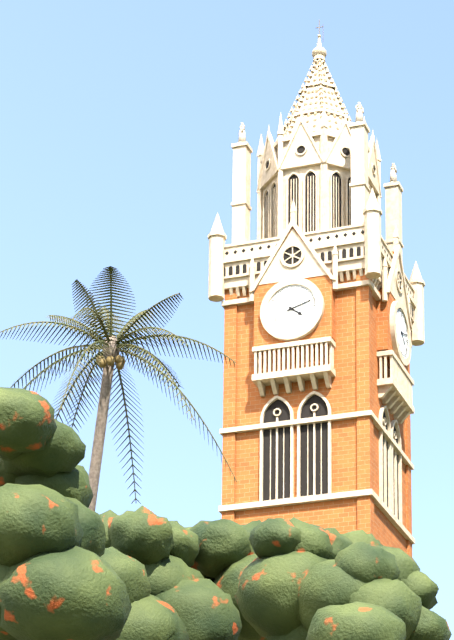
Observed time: 4h12
